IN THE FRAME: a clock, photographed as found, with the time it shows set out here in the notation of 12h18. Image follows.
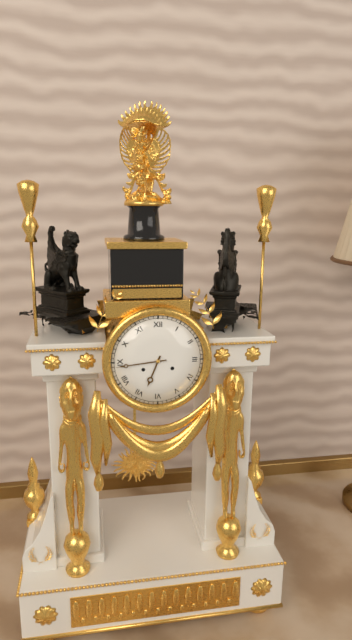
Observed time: 6h44
